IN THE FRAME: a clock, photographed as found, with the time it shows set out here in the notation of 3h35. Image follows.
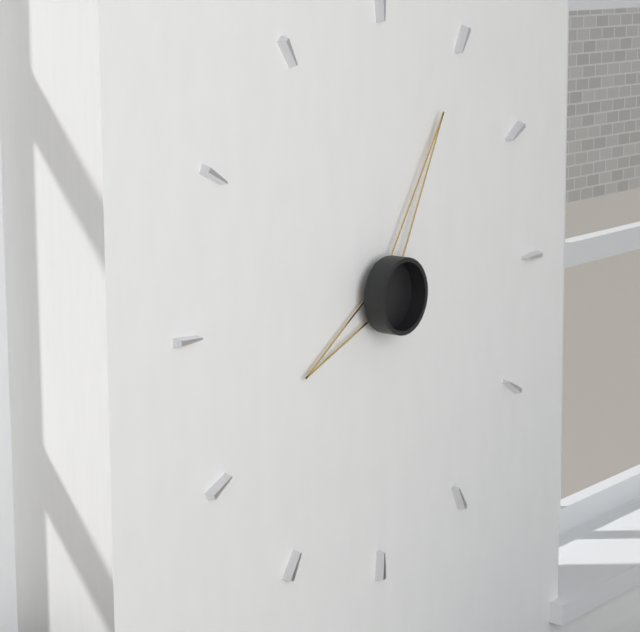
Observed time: 8h05
